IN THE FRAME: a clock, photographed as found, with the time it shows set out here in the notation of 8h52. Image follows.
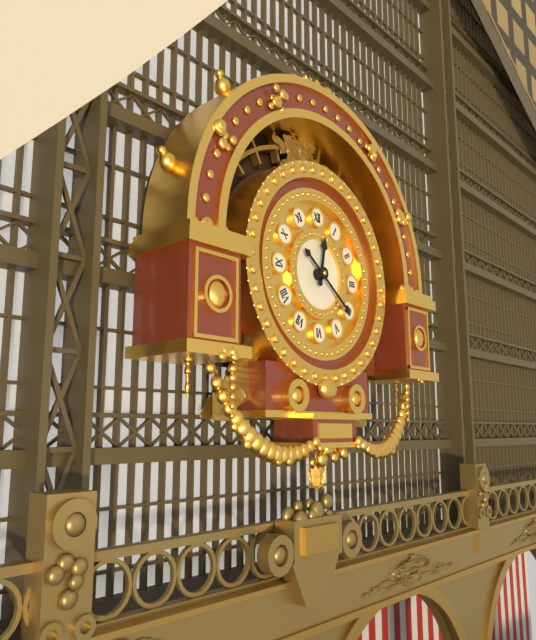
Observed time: 12h21
